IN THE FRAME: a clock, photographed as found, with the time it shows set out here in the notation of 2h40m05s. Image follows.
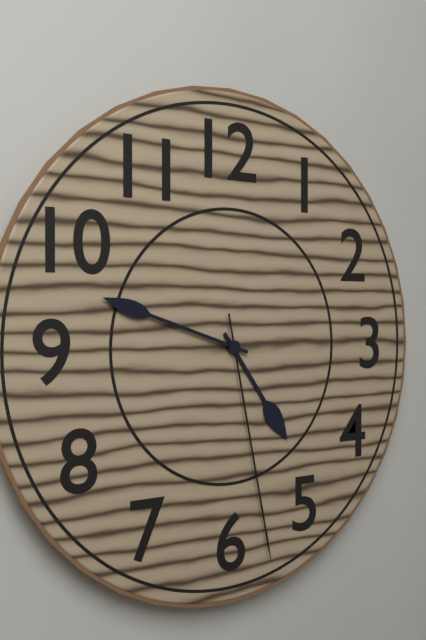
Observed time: 4h48m28s
